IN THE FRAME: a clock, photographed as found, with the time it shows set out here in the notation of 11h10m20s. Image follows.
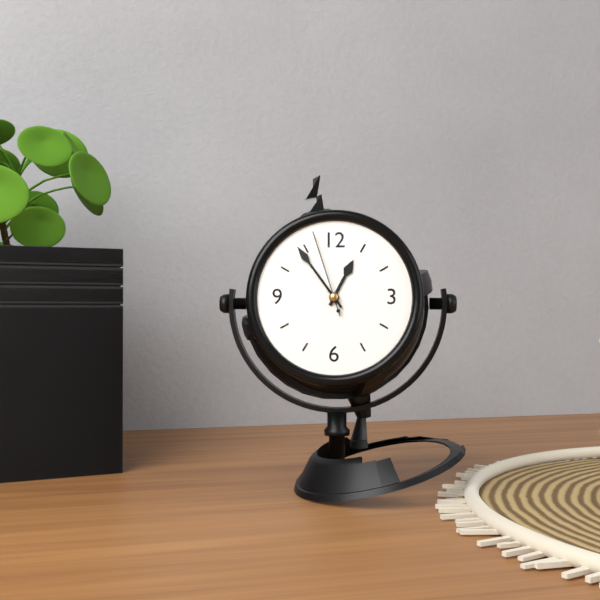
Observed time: 12h54m57s
